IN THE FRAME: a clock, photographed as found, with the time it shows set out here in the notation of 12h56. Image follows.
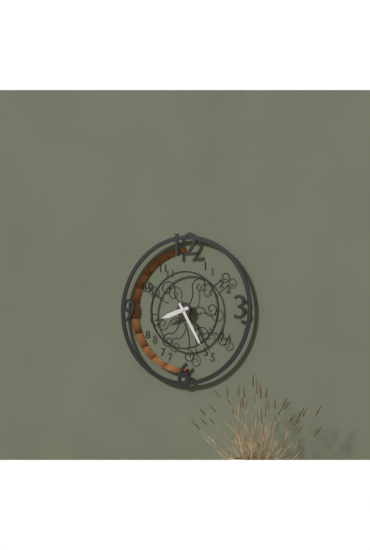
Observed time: 8h25
